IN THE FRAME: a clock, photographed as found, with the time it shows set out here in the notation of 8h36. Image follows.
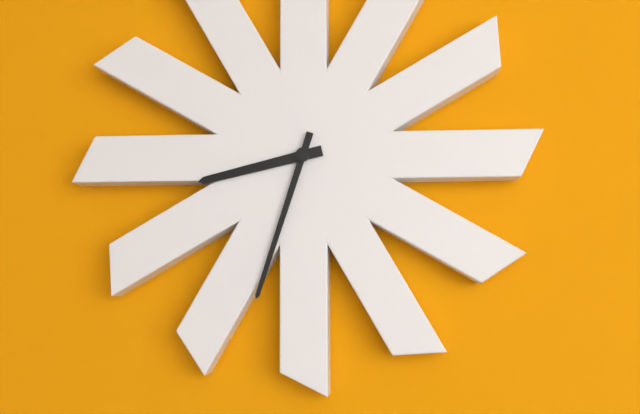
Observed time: 8h33
